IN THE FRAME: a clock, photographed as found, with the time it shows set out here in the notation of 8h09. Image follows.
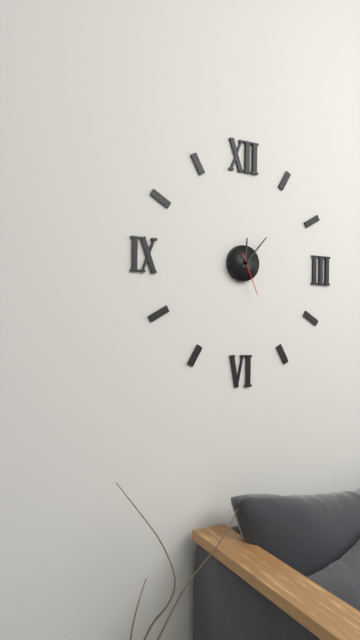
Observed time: 12h07
